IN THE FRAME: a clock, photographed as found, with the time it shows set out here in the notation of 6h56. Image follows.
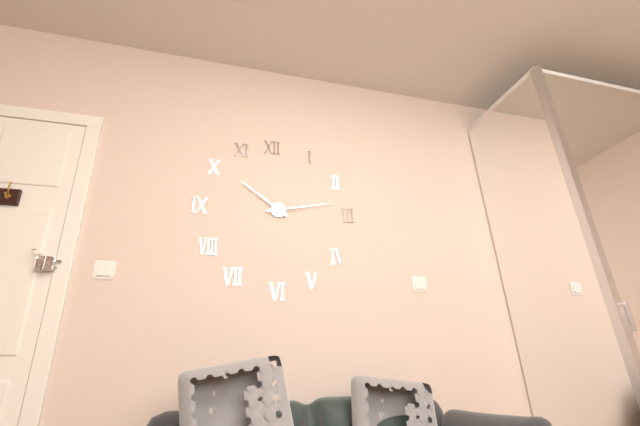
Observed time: 10h13
